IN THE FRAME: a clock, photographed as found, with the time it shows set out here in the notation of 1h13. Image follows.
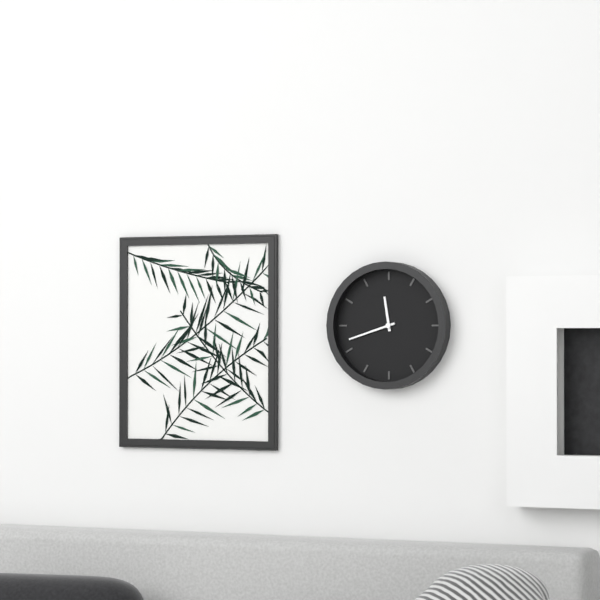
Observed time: 11h42
